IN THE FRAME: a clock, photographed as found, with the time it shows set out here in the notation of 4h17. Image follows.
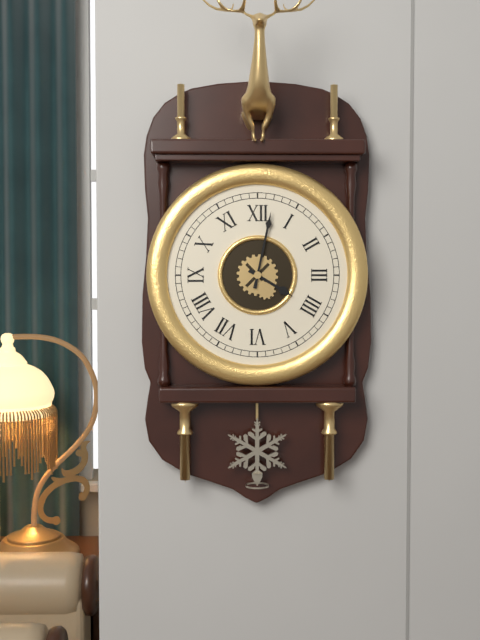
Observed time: 4h02
